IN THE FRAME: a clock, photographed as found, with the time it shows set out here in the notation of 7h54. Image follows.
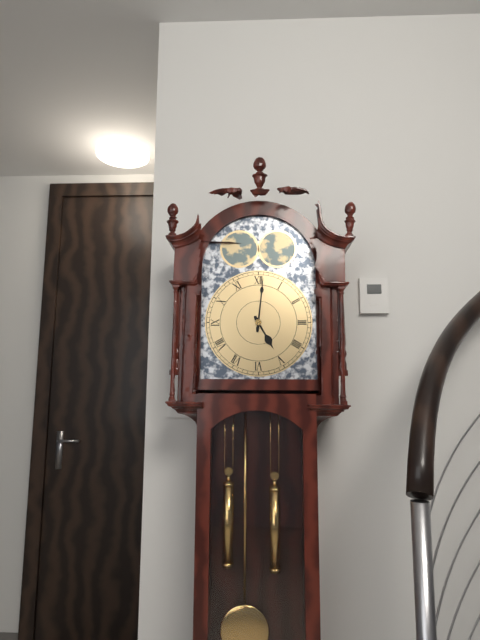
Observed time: 5h01
